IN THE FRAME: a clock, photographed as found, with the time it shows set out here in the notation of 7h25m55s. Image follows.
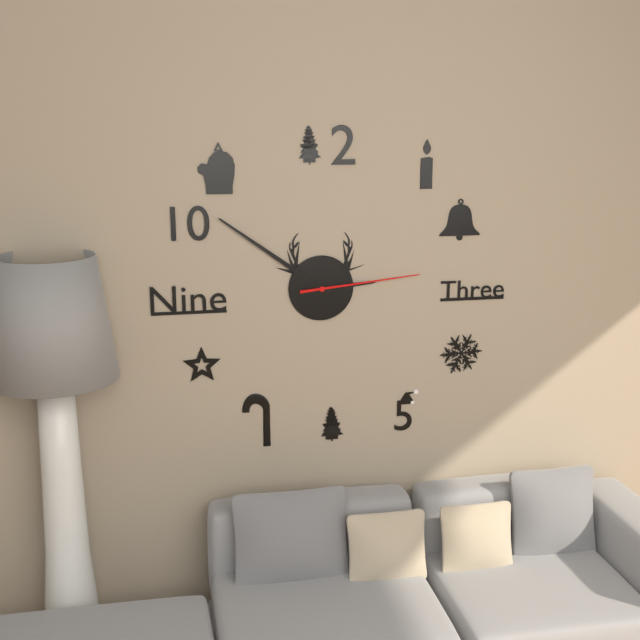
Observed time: 2h51m14s
